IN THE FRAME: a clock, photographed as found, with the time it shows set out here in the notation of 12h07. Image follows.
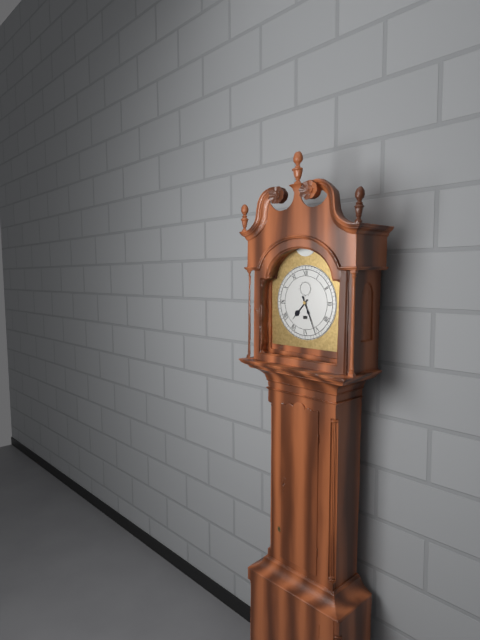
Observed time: 7h26
